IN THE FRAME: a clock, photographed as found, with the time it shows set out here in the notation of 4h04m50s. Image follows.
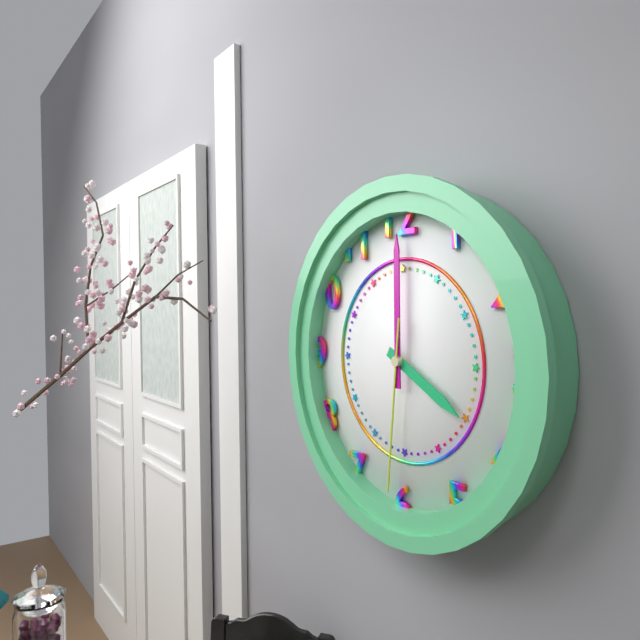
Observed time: 4h00m31s
